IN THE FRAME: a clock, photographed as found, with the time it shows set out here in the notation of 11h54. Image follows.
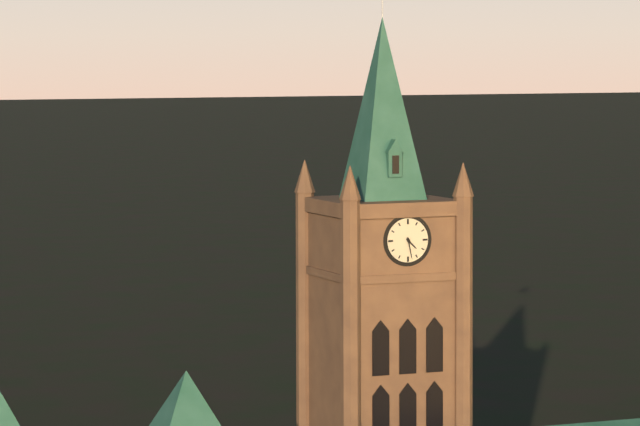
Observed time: 4h28
